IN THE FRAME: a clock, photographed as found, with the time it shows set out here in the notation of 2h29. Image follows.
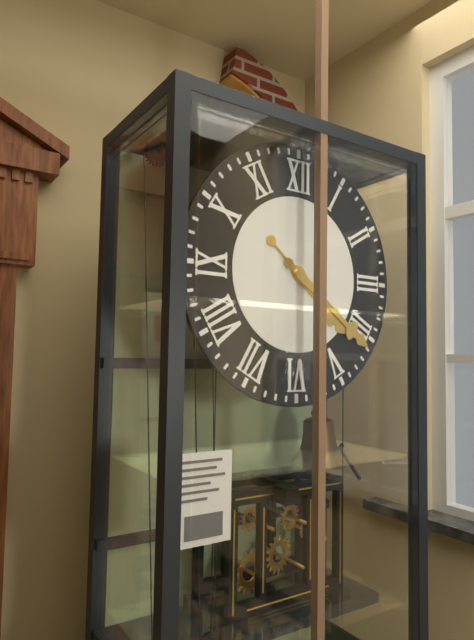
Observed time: 4h21
